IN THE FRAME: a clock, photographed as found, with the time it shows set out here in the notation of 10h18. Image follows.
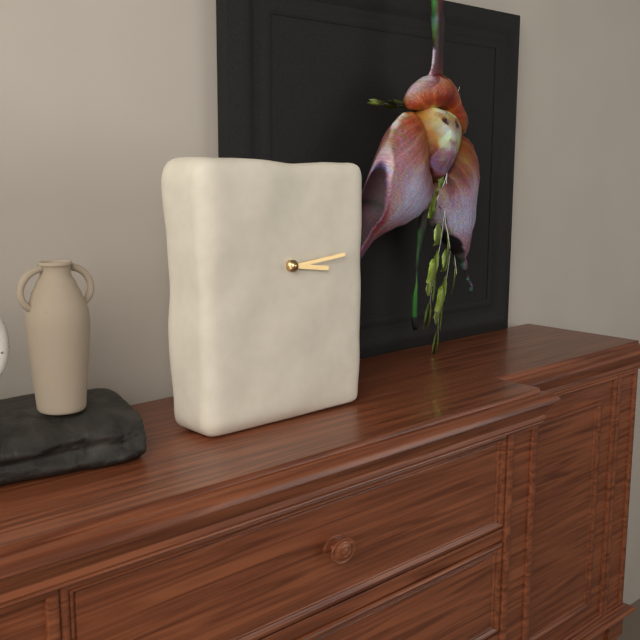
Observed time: 3h14
